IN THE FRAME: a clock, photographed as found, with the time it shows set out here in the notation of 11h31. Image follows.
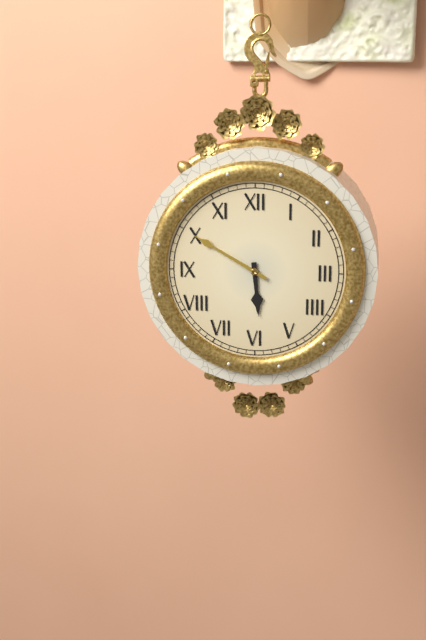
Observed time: 5h50
